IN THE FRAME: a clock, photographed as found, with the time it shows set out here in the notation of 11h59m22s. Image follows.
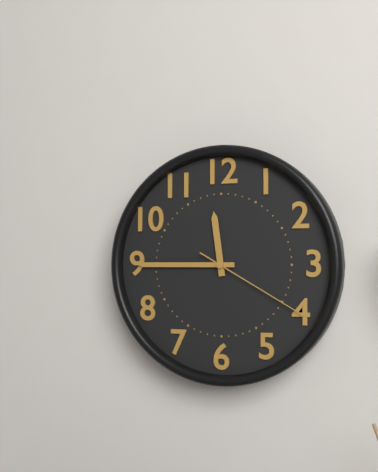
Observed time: 11h45m20s
